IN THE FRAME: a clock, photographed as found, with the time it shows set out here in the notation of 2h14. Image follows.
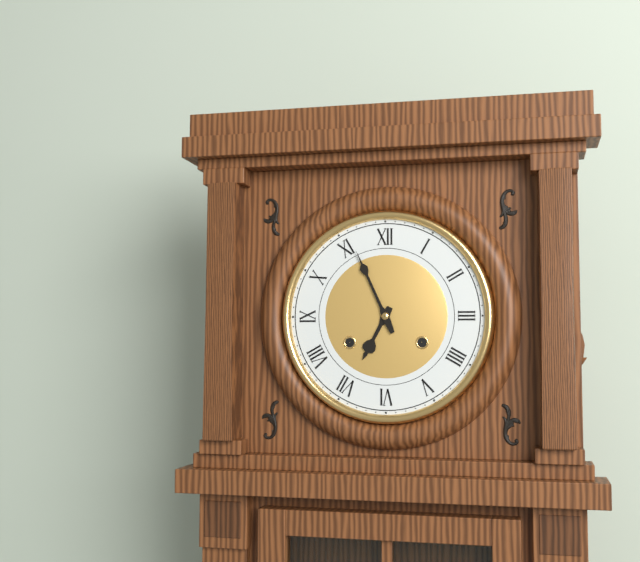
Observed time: 6h56
